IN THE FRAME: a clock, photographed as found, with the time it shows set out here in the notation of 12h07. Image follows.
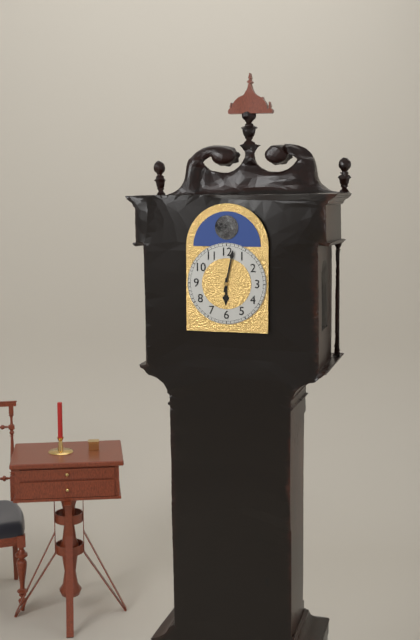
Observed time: 6h02
